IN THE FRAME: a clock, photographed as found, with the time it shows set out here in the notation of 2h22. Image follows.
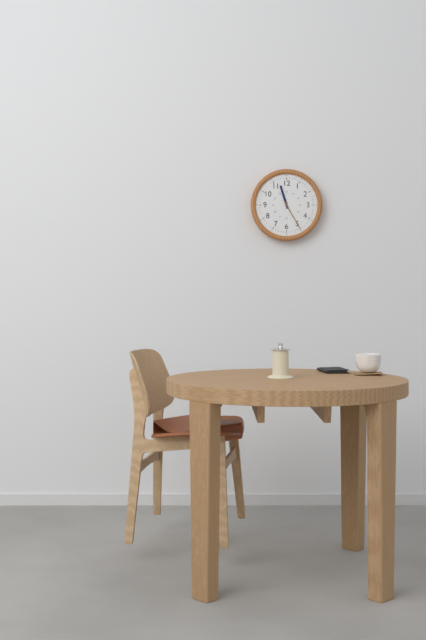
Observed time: 11h25
